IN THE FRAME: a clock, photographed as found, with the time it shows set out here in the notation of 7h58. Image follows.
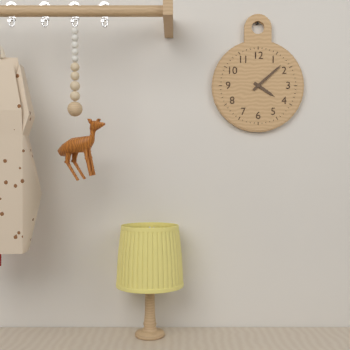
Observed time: 4h08
